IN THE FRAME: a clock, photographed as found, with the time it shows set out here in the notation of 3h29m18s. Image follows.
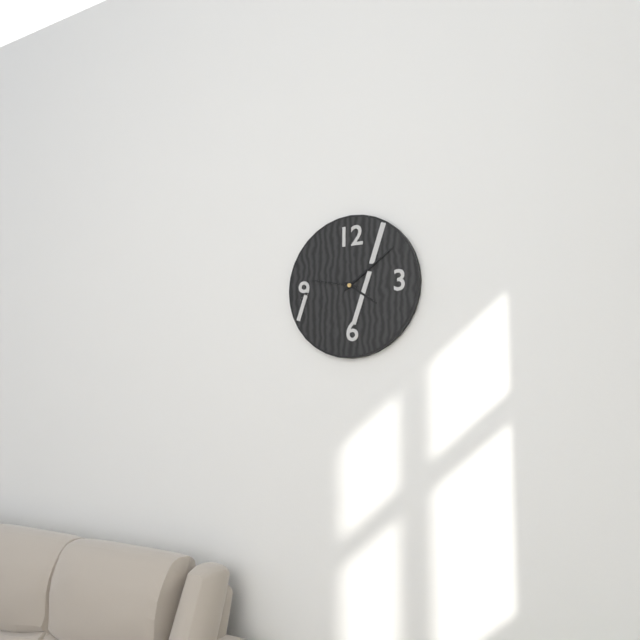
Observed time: 4h09m47s
